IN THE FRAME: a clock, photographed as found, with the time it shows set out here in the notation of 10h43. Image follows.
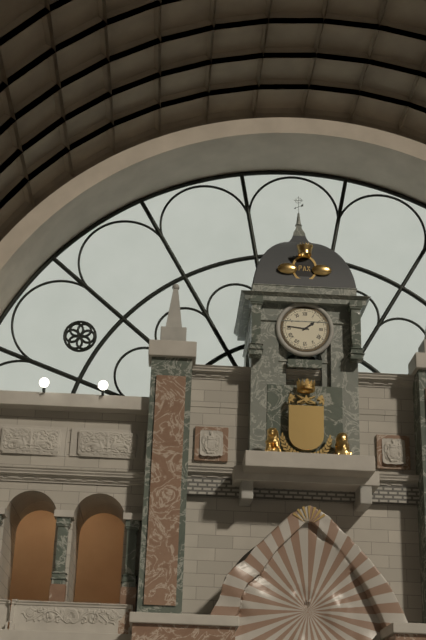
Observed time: 1h46
